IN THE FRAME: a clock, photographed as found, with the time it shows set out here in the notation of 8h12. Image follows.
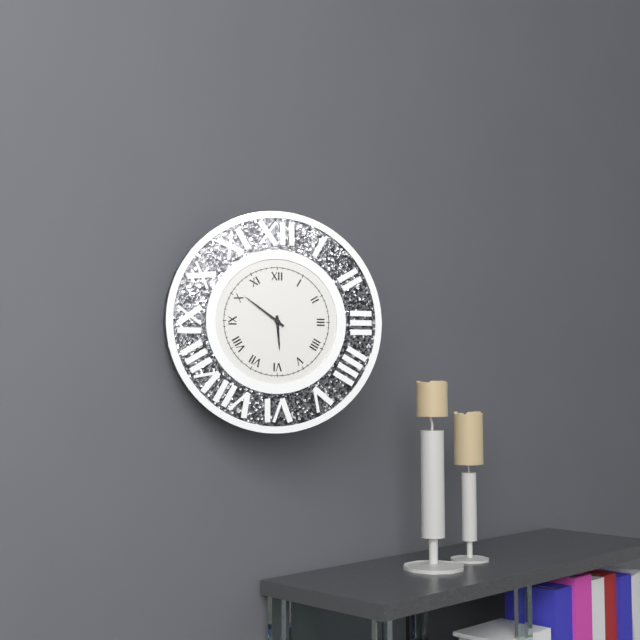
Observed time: 5h51
